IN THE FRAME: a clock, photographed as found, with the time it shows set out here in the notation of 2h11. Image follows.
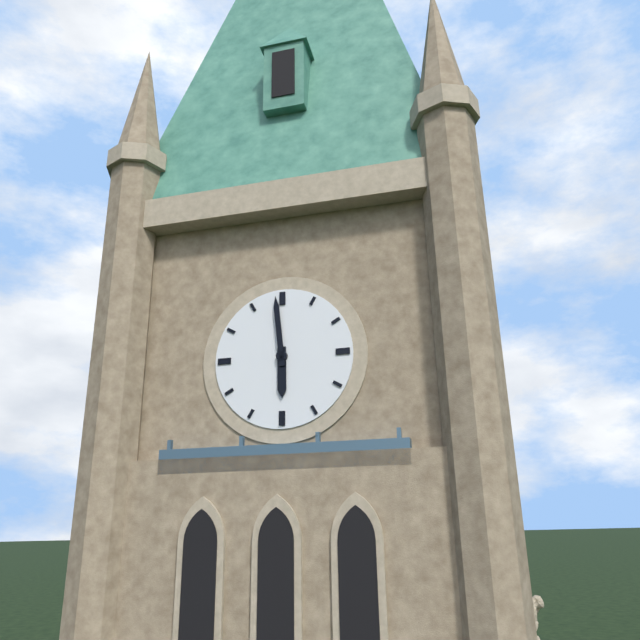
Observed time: 5h59
